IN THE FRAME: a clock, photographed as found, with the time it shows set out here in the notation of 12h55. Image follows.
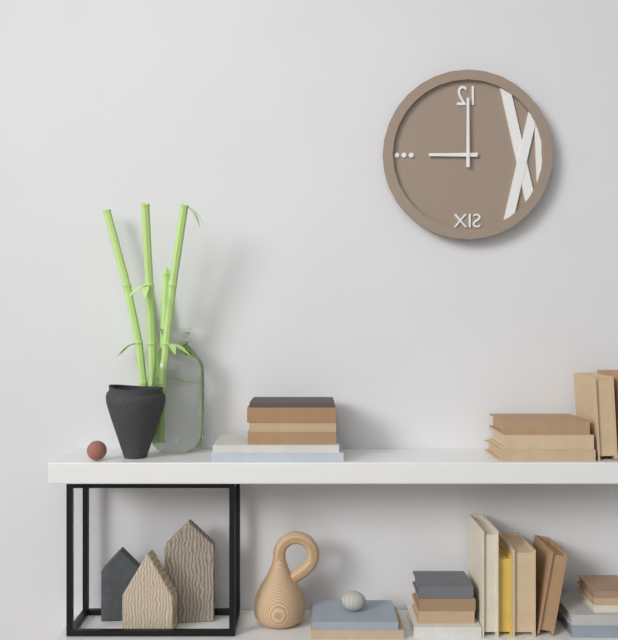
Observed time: 9h00
